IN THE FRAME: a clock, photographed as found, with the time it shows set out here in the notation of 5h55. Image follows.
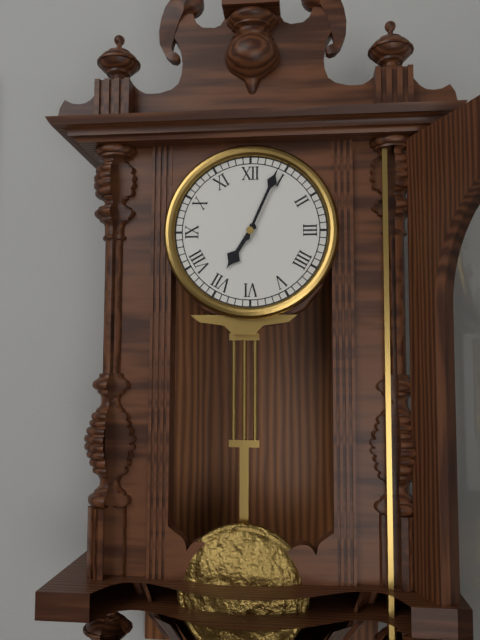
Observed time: 7h04
